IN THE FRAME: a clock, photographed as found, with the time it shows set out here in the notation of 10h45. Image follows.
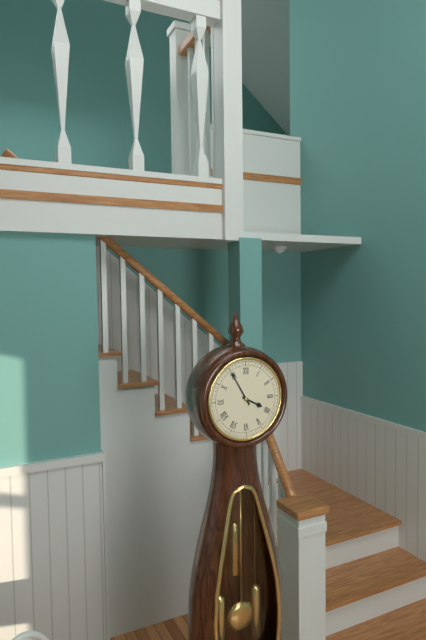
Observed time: 3h55
